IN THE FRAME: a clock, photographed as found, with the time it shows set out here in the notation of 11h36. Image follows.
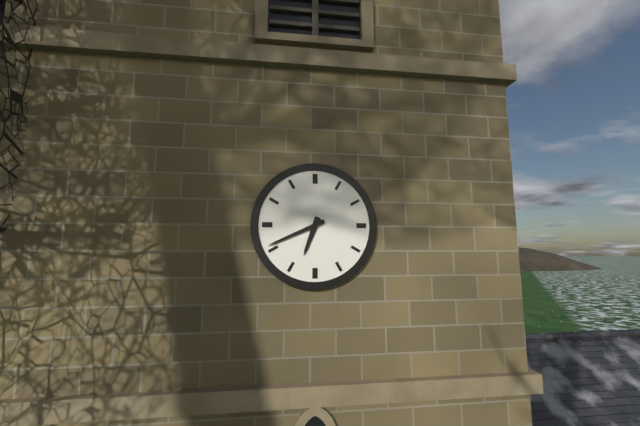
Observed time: 6h41
